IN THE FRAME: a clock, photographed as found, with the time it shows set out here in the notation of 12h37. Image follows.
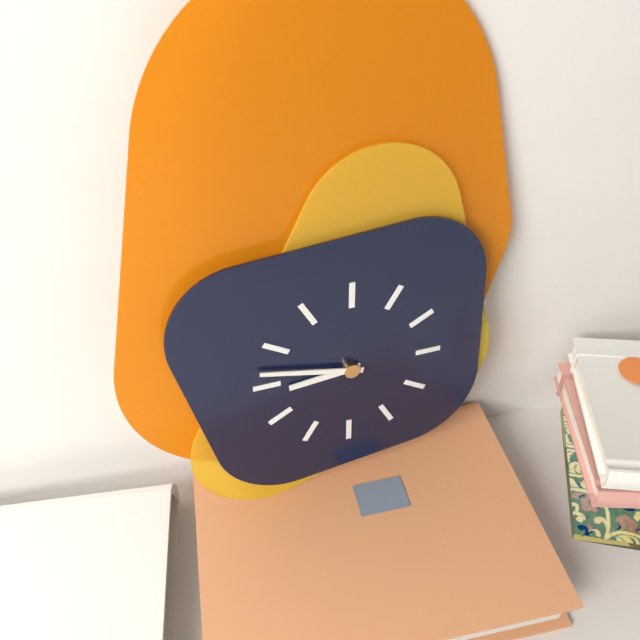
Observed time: 8h47
